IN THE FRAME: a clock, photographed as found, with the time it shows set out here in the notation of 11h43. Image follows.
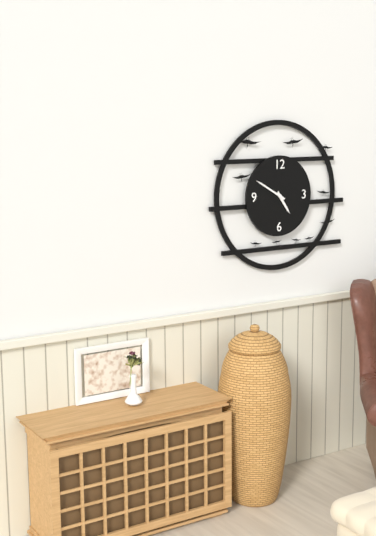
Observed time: 4h50
